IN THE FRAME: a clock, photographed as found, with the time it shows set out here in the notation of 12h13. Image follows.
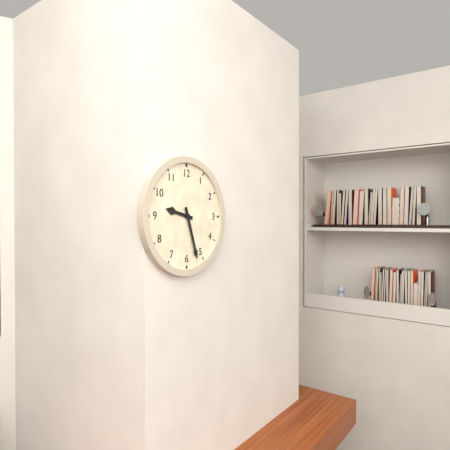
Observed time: 9h27
